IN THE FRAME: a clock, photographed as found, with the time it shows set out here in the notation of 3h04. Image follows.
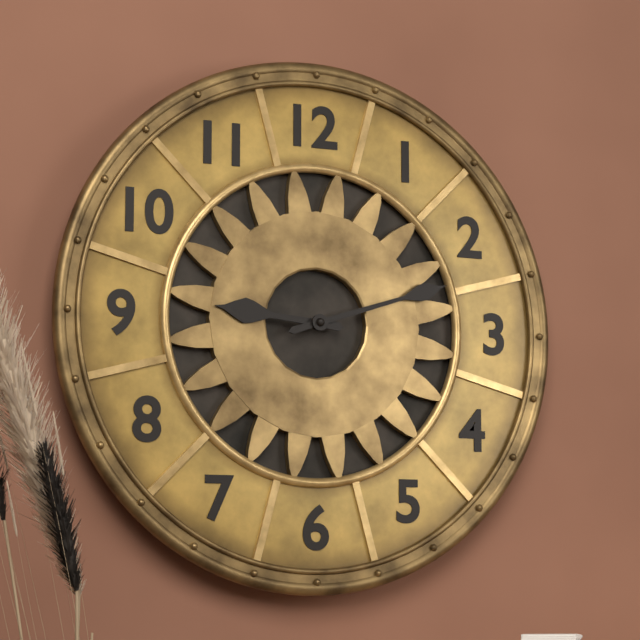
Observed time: 9h12
